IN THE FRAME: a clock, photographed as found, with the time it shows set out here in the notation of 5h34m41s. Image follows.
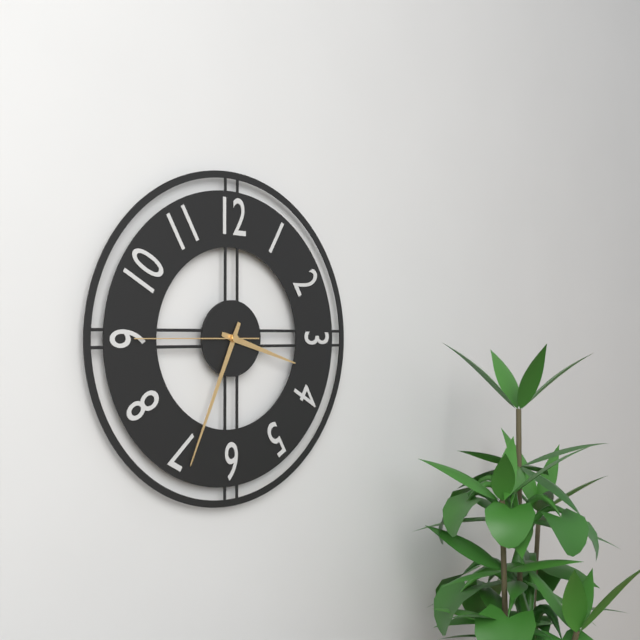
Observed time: 3h34m45s
